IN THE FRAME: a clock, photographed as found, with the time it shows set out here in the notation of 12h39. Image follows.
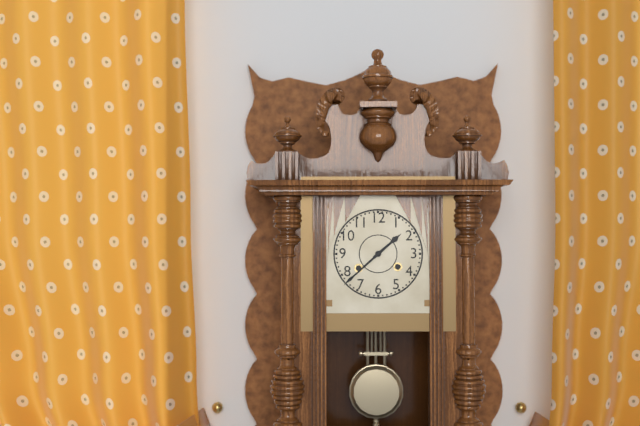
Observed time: 1h38
